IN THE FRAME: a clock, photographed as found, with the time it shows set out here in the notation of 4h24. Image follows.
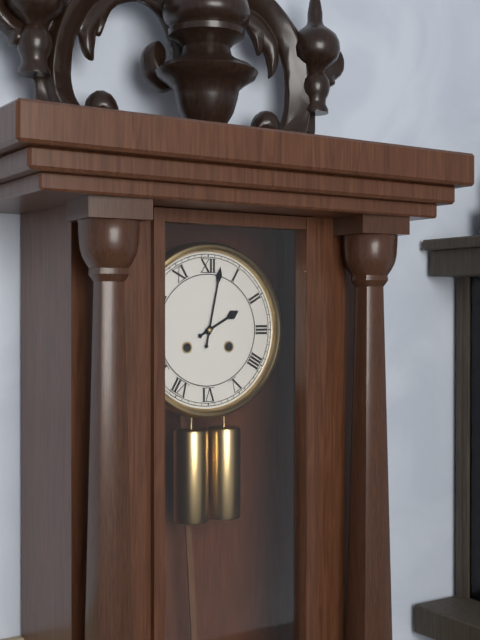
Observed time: 2h02
